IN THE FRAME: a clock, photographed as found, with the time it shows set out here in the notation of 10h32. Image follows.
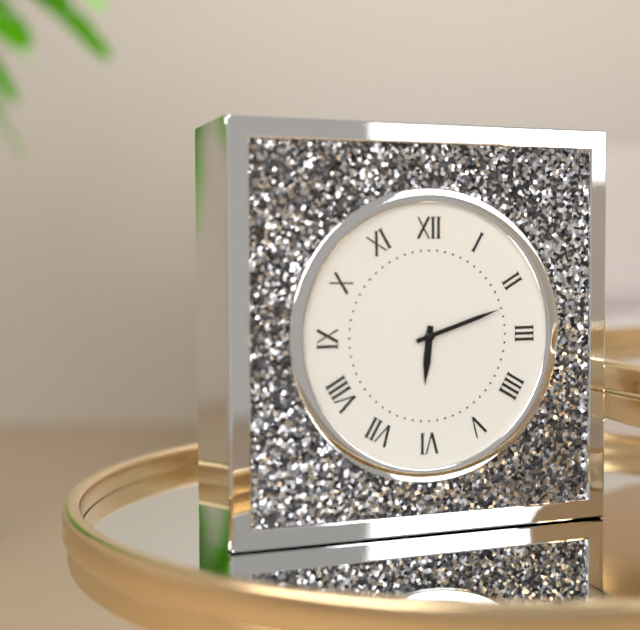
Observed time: 6h12
